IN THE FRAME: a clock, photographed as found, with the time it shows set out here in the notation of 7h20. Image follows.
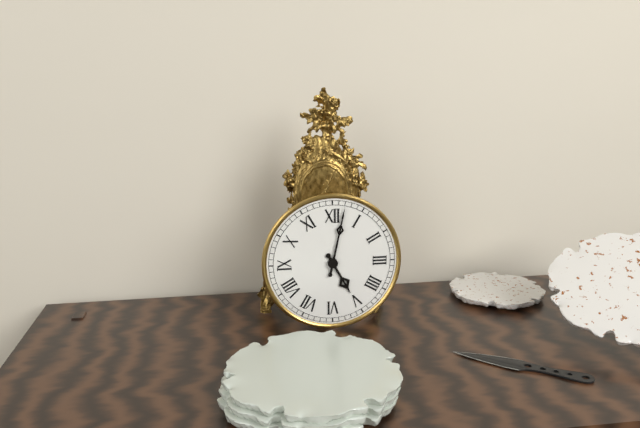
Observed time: 5h02
